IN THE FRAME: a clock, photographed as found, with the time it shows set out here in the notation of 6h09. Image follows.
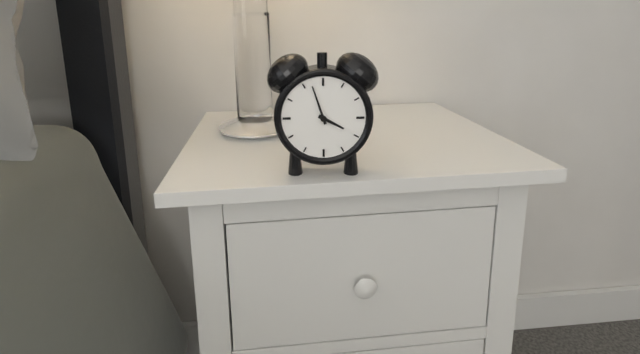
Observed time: 3h57
